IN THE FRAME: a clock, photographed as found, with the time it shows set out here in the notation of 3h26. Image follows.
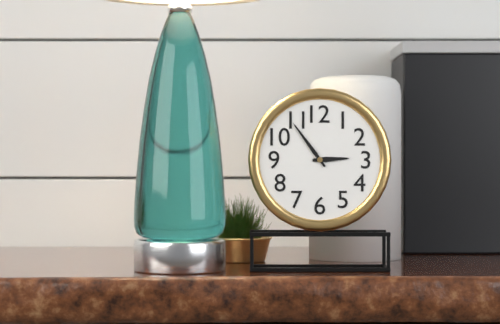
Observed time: 2h54
